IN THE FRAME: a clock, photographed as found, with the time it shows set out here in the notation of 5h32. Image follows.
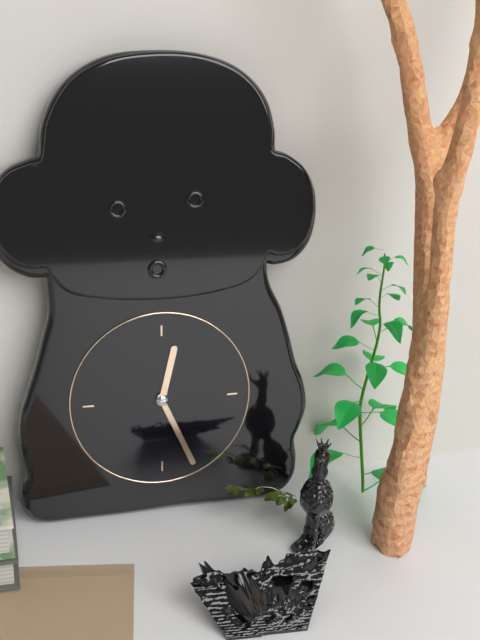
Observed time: 12h26
